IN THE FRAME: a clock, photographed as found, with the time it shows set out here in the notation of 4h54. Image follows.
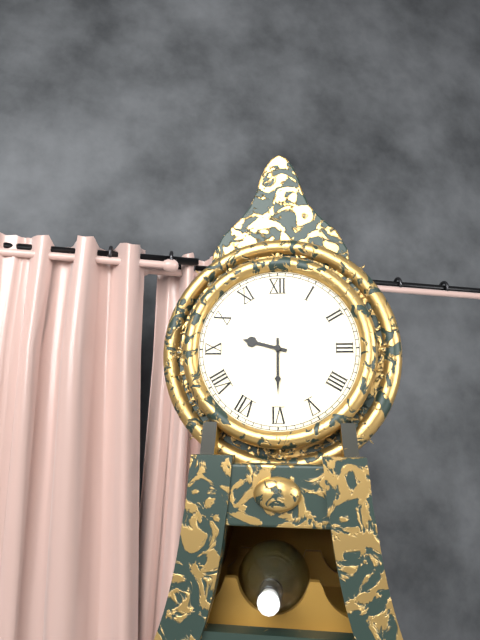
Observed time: 9h30
